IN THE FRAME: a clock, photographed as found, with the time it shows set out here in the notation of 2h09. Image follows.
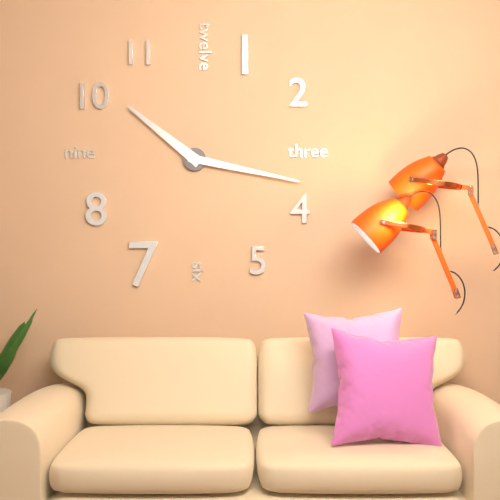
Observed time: 10h17
